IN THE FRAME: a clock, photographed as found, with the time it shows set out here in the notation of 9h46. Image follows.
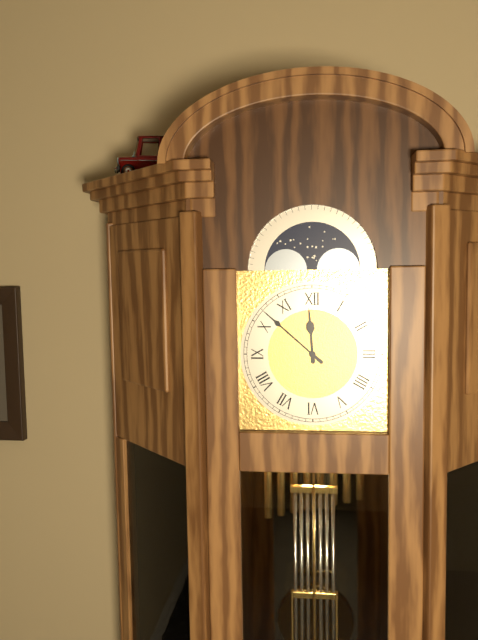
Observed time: 11h52
